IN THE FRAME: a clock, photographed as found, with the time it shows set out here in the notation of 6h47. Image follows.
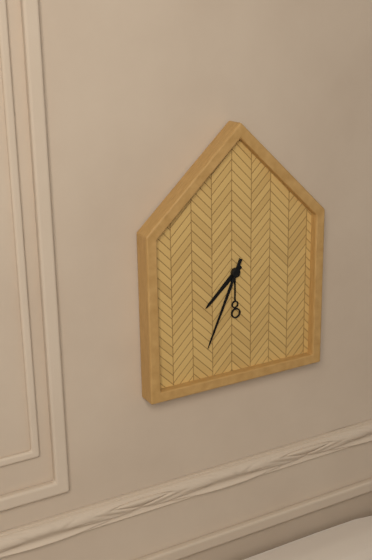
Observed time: 7h34
